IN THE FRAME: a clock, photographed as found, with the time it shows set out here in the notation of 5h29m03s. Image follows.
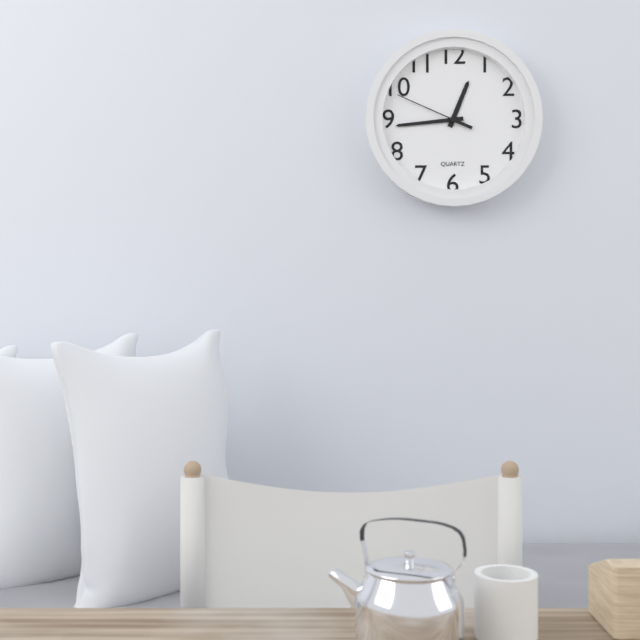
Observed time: 12h44m49s
